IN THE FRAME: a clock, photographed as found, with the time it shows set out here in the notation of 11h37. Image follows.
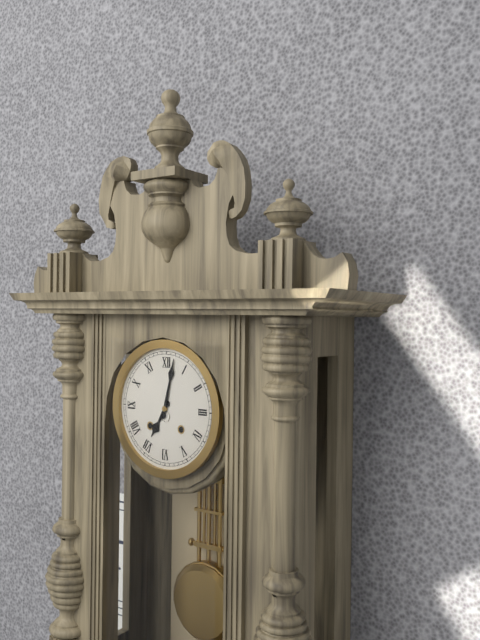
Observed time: 7h02
